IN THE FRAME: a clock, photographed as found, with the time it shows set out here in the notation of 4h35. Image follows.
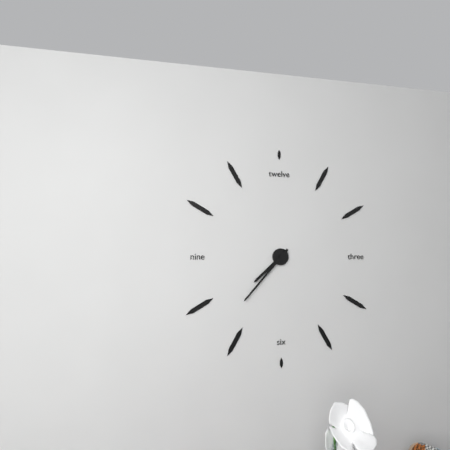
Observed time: 7h37
